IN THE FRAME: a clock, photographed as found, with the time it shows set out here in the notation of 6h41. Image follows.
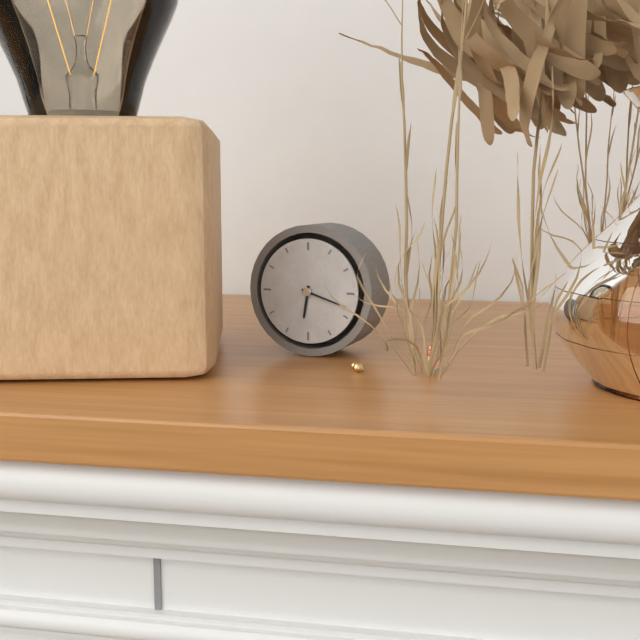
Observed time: 6h18
